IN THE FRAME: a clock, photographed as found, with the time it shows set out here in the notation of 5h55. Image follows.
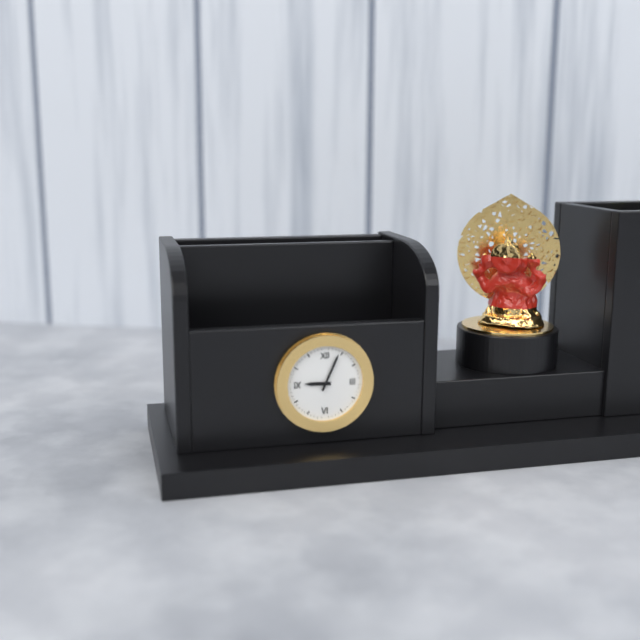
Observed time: 9h04
